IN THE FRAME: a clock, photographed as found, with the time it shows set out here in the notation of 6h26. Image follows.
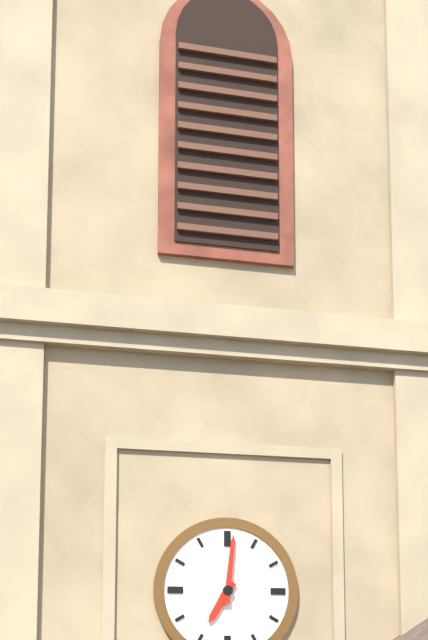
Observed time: 7h01
